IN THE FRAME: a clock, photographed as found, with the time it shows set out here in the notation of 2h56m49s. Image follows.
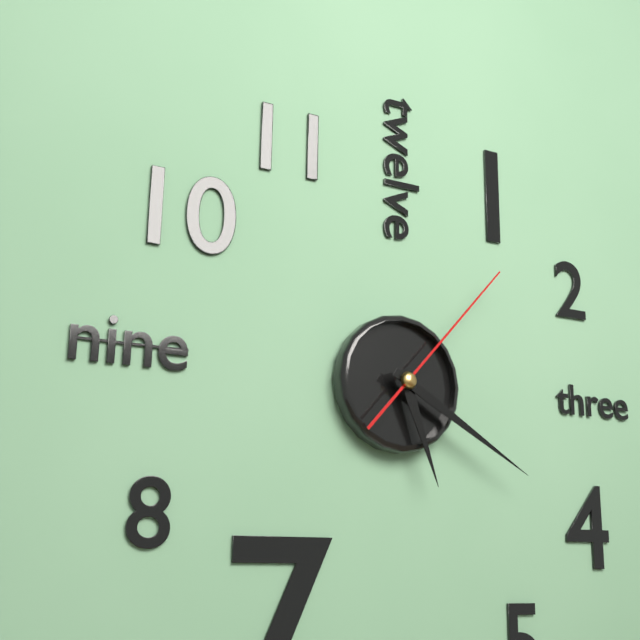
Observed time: 5h20m07s
